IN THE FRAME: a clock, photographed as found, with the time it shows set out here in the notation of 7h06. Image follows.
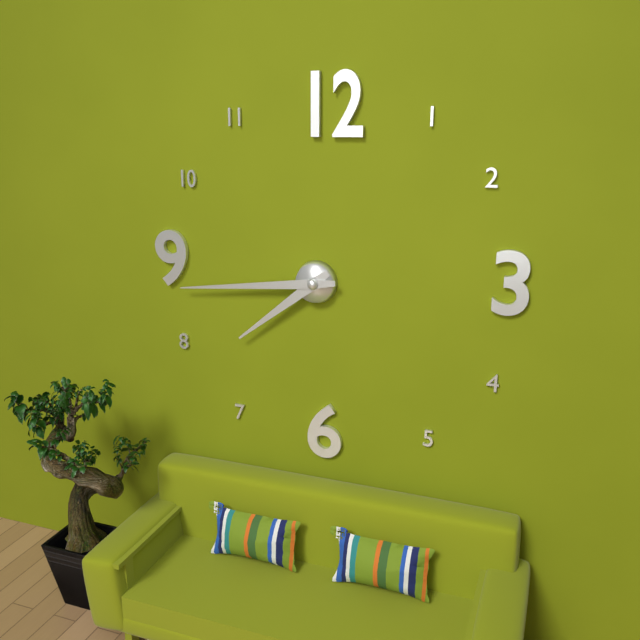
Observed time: 7h44
